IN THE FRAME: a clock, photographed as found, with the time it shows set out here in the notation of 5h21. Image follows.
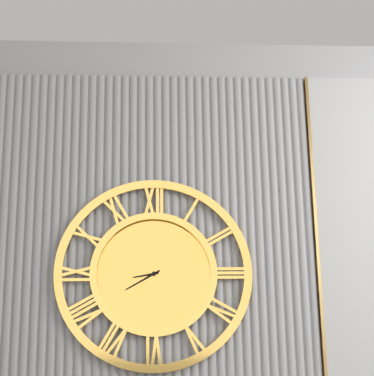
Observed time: 8h40
